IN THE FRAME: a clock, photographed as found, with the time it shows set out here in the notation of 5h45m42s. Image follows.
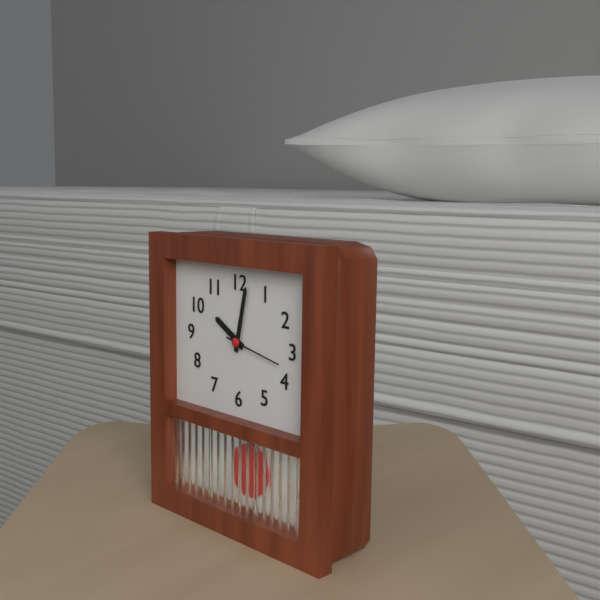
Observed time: 10h02m17s
